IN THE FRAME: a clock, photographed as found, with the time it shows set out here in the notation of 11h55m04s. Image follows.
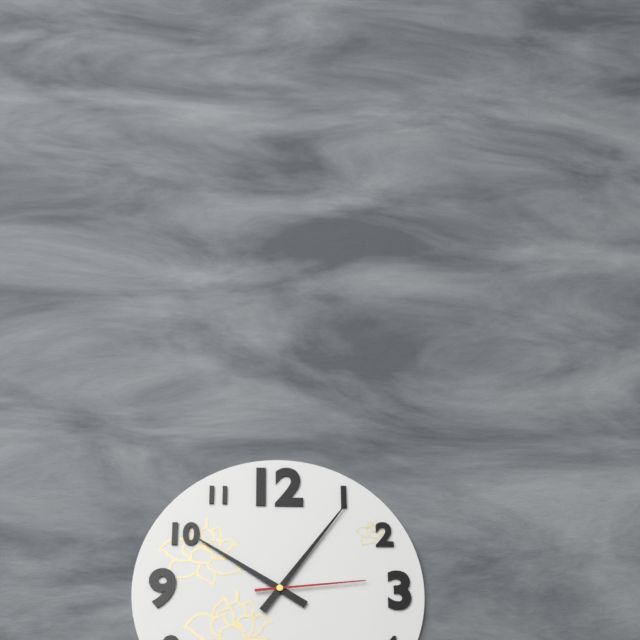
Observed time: 10h06m14s
